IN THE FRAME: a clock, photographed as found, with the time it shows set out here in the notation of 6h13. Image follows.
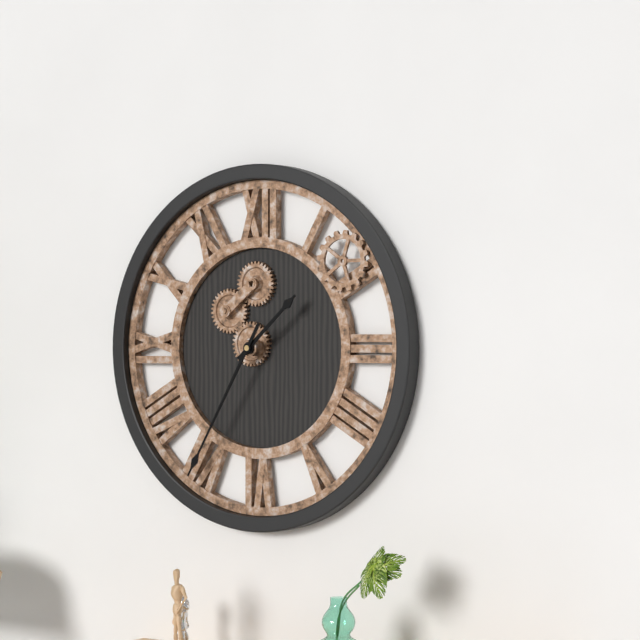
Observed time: 1h35
